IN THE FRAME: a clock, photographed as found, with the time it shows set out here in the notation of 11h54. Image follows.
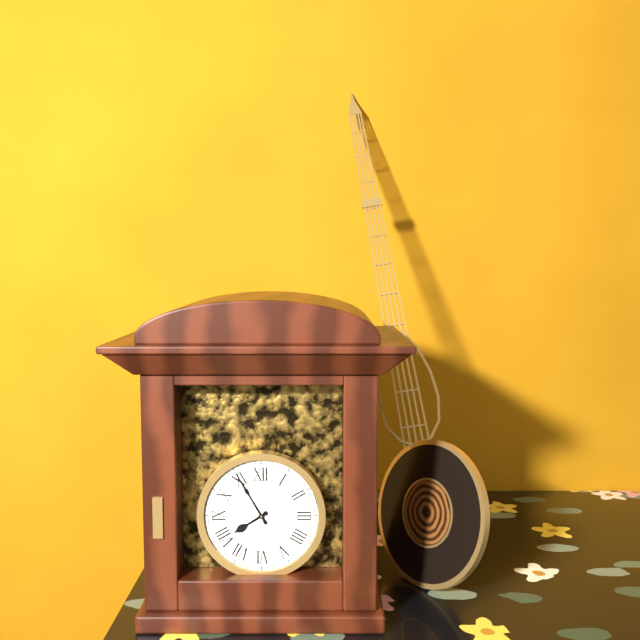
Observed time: 7h55
